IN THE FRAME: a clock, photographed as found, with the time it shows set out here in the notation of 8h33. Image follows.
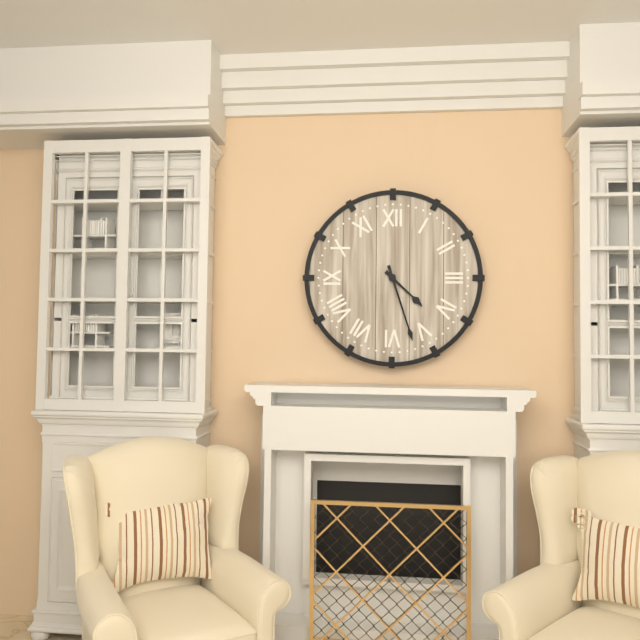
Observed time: 4h27
